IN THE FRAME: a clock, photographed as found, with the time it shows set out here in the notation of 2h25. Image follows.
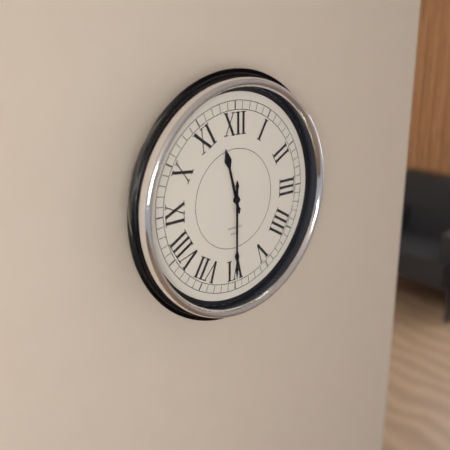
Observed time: 11h30
